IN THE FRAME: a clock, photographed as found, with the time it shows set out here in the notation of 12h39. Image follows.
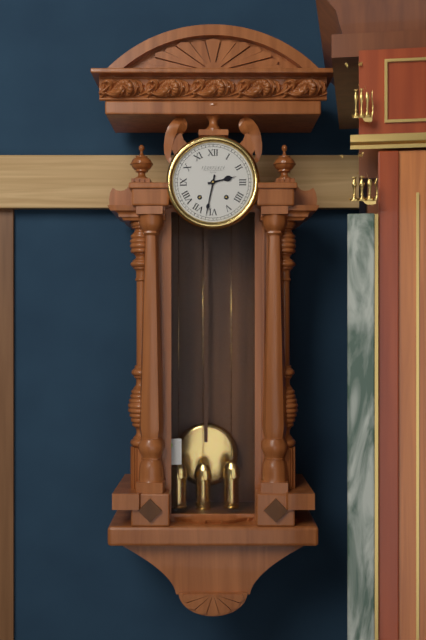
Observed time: 2h32
